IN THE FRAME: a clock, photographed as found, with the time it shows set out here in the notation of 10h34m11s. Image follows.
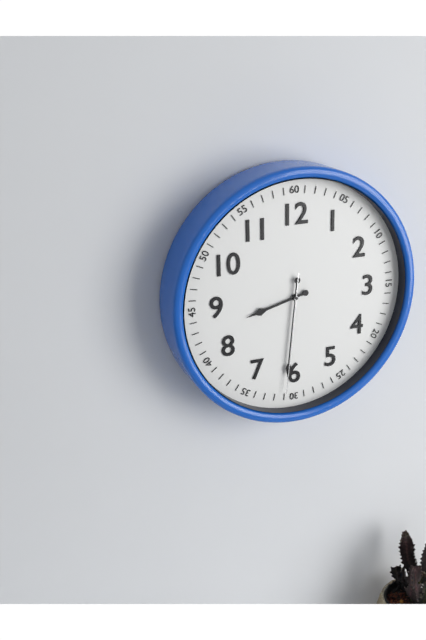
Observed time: 8h31m31s
